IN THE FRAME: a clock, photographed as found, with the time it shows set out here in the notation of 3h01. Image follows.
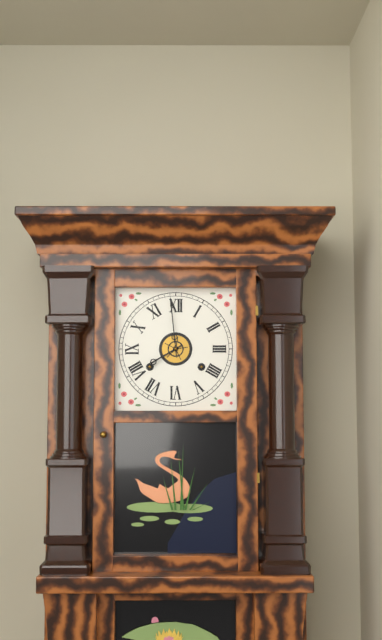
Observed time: 7h59
